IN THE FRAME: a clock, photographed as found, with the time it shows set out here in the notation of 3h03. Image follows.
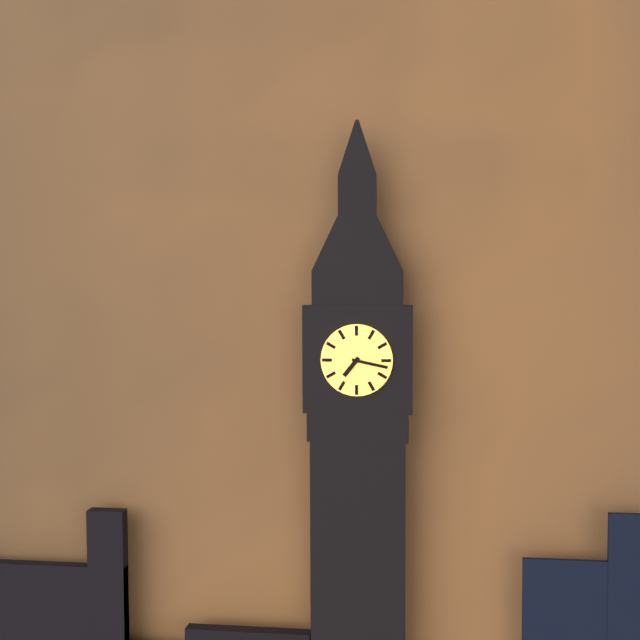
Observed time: 7h17
